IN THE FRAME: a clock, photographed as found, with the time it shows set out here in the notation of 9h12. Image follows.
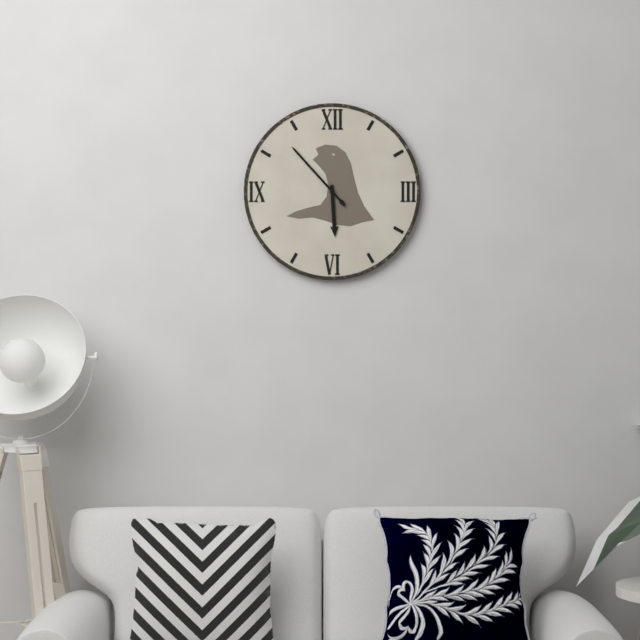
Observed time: 5h53
